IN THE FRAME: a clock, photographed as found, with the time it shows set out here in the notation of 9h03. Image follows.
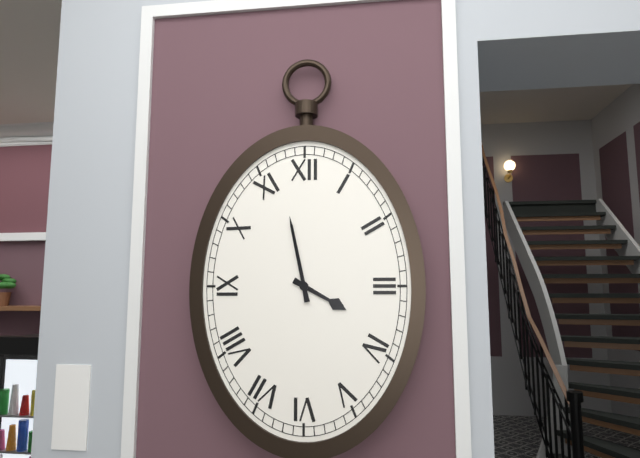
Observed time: 3h58
